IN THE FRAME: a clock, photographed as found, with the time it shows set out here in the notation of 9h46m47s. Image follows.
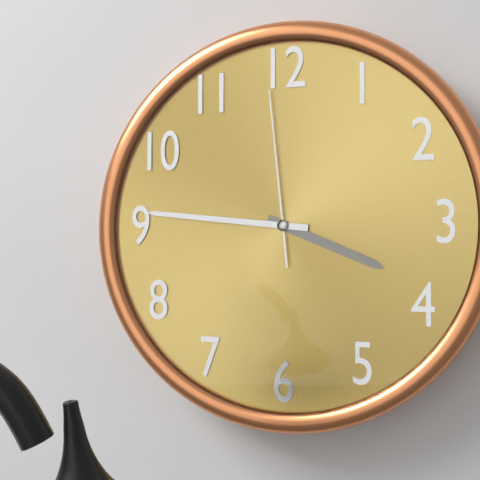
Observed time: 3h46m59s
